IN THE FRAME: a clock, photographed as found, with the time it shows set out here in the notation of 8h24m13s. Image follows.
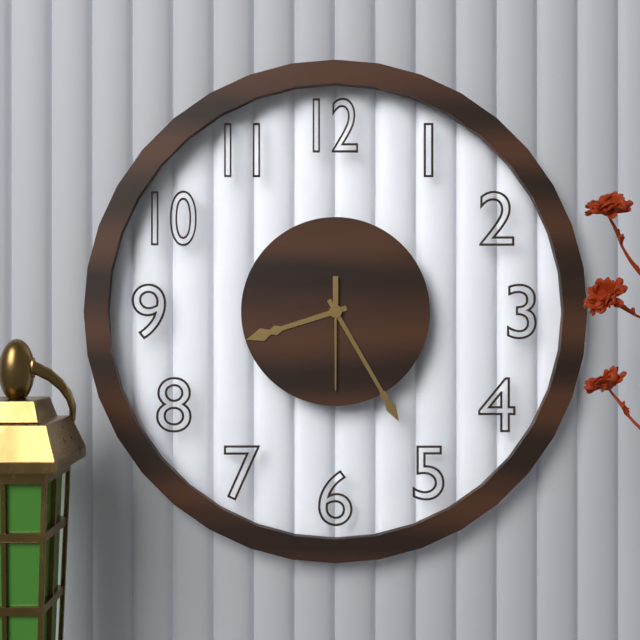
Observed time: 8h25m30s
